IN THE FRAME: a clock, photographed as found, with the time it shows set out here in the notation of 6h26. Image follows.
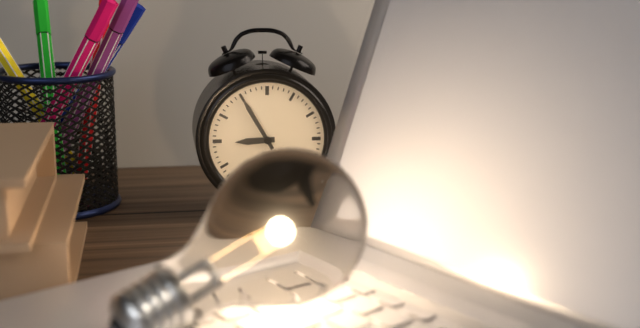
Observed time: 8h55
